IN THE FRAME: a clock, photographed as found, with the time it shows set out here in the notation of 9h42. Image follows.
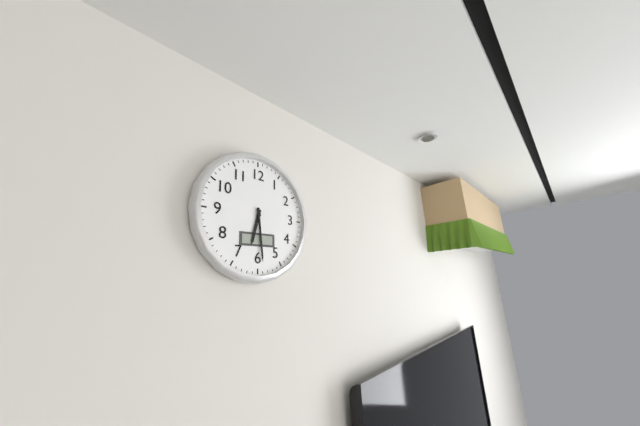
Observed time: 6h29
